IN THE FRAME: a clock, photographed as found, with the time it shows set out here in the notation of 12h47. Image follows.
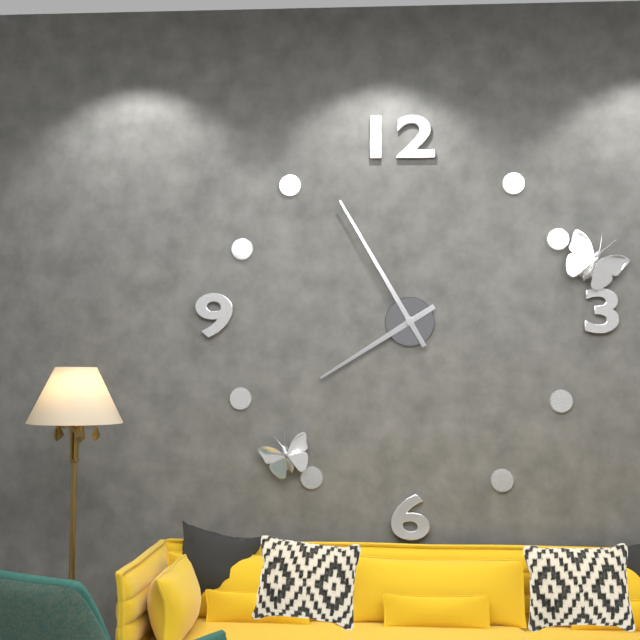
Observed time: 7h55
